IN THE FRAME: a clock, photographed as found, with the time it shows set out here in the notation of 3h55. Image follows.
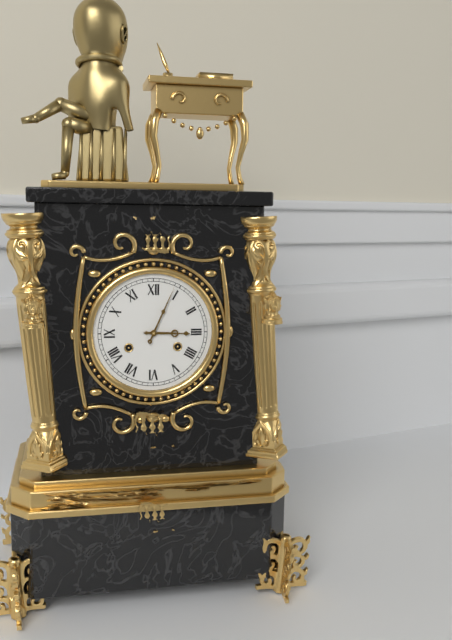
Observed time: 3h04
